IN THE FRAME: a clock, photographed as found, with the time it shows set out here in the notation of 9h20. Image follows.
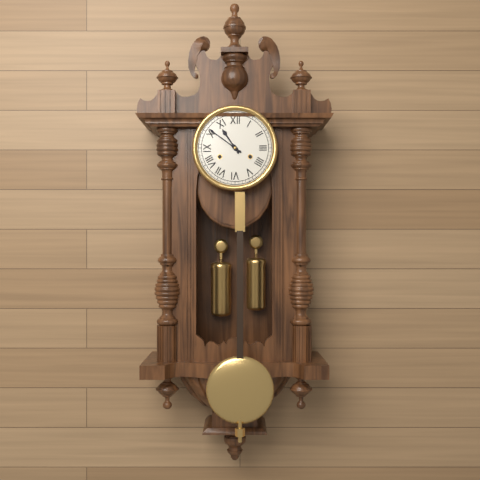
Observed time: 10h51
